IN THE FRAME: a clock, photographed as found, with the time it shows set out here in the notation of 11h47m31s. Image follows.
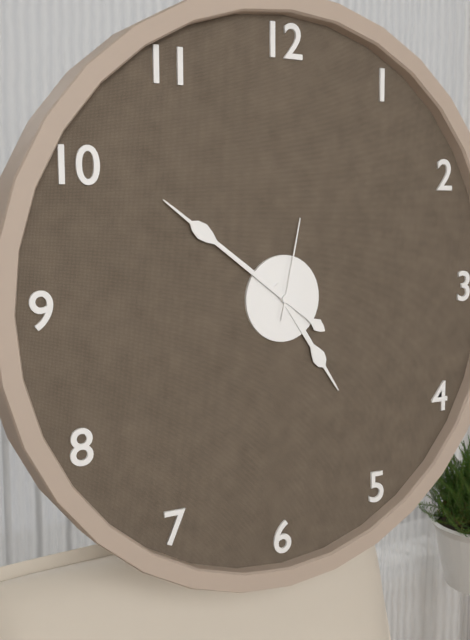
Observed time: 4h51m02s
